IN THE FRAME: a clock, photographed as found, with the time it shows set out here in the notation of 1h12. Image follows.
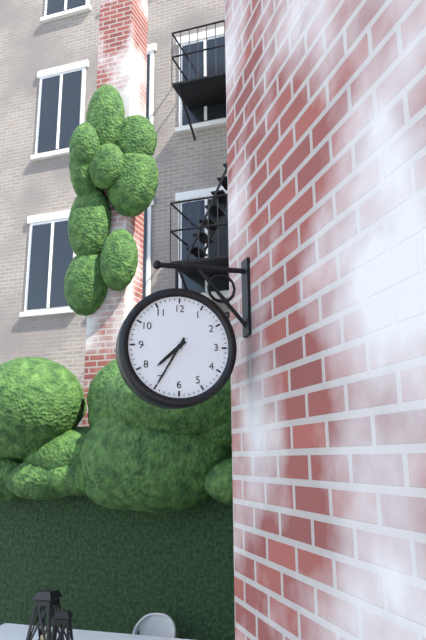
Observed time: 7h35
